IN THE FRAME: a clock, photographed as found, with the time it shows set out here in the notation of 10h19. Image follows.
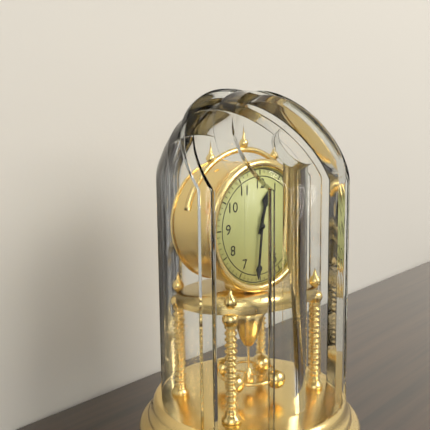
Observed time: 12h31
